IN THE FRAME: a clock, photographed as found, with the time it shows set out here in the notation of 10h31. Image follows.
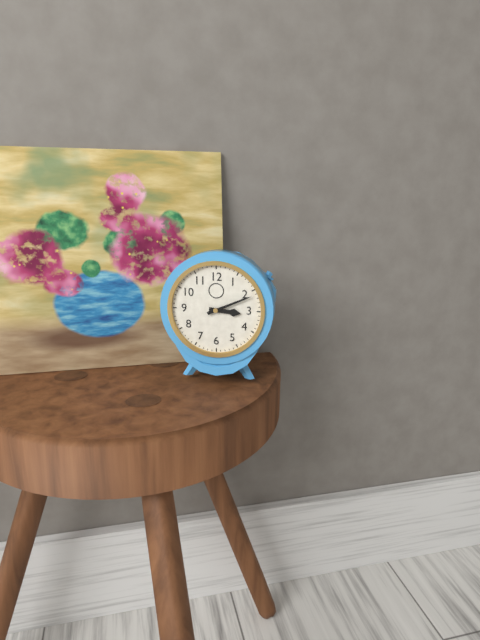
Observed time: 3h11
